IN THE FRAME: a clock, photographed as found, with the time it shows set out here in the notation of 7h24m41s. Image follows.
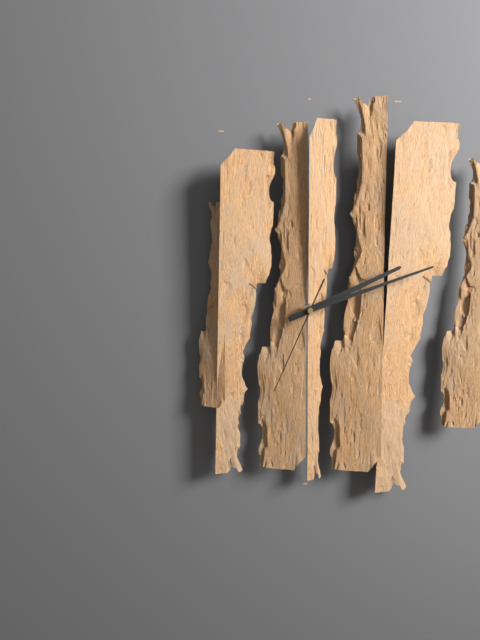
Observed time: 2h12m34s
